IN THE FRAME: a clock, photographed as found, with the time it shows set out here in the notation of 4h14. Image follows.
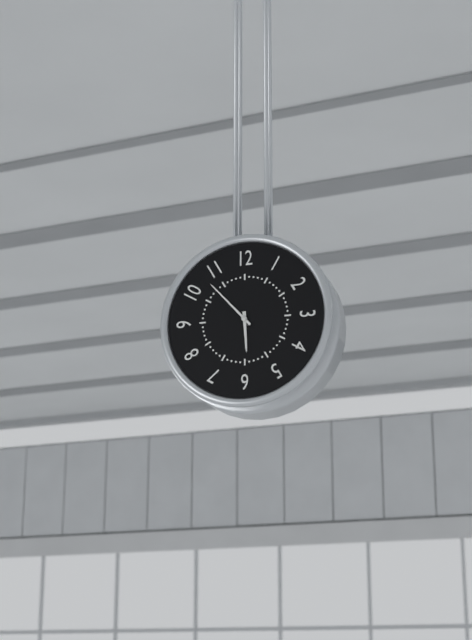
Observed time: 5h53
